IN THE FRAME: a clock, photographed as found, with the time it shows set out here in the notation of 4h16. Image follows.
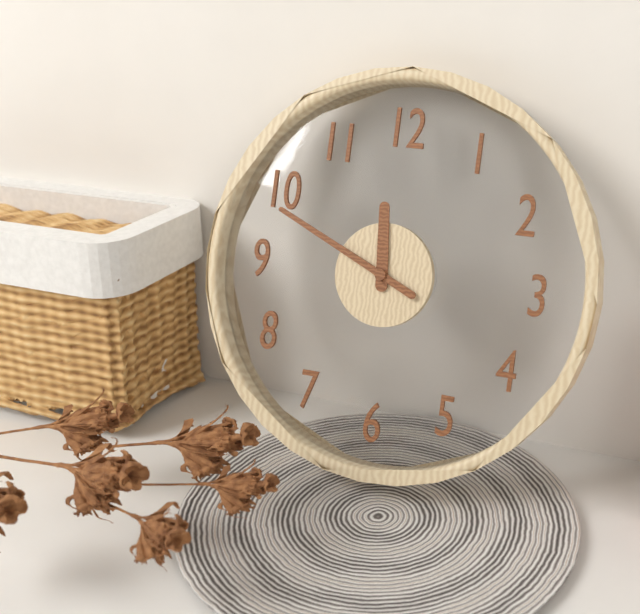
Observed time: 11h49
